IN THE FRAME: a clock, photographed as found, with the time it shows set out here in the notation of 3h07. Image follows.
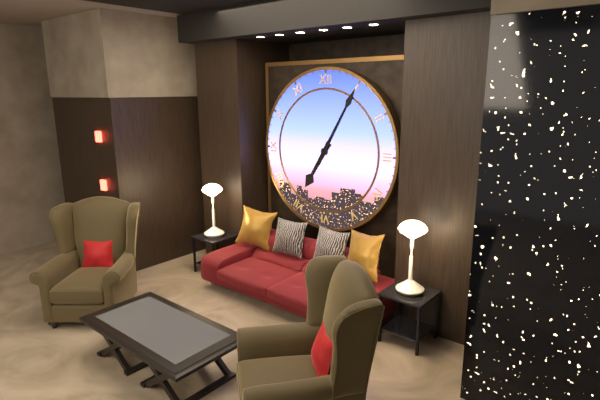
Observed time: 7h05
